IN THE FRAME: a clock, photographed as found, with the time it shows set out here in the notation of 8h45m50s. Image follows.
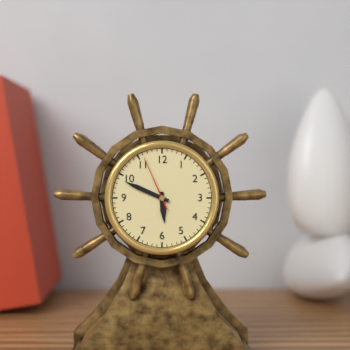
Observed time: 5h49m56s
